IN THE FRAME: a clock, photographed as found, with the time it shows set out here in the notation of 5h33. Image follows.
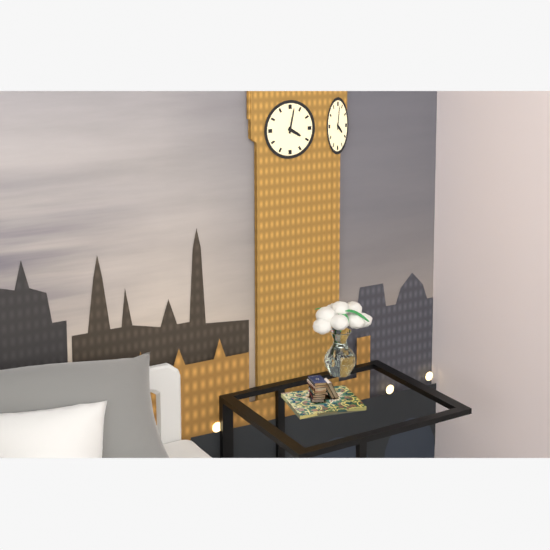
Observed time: 4h02
